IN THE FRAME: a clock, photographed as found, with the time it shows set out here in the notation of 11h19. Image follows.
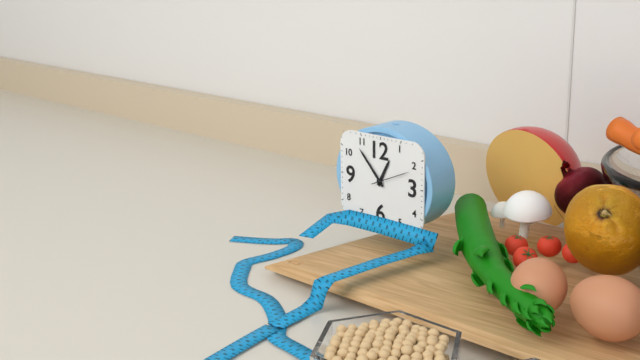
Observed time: 12h53
